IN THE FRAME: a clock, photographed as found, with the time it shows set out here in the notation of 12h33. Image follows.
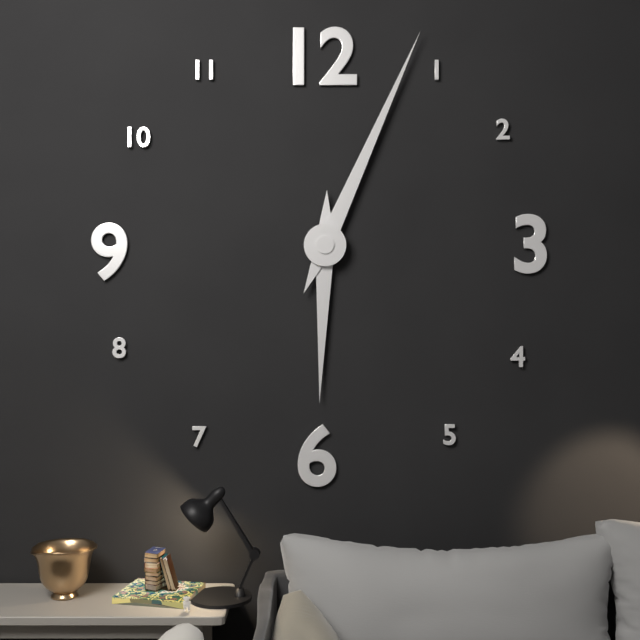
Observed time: 6h04
